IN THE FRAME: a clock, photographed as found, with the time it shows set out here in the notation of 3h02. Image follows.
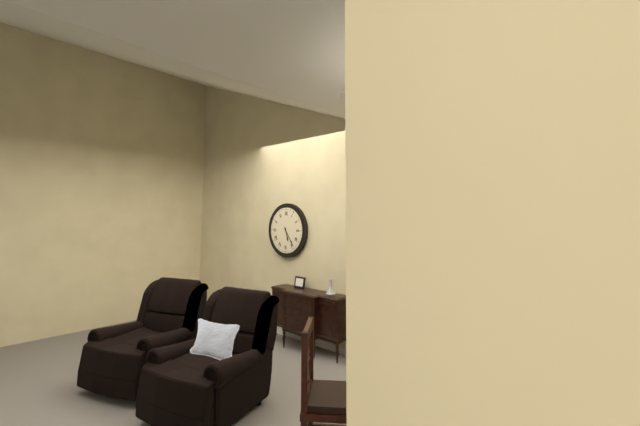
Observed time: 5h24
